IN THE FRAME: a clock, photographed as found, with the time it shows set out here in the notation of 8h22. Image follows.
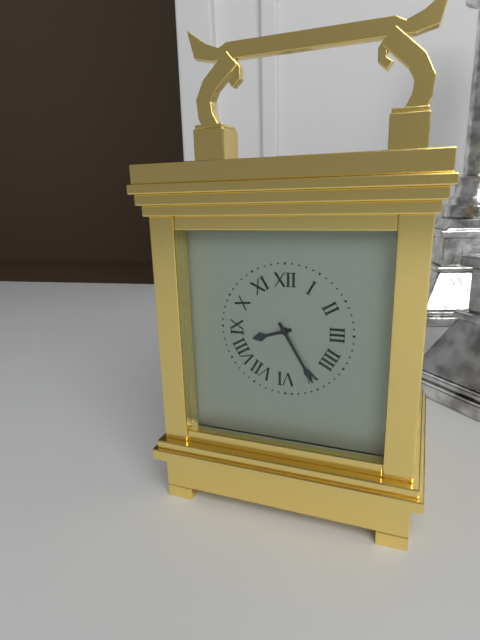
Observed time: 8h25
